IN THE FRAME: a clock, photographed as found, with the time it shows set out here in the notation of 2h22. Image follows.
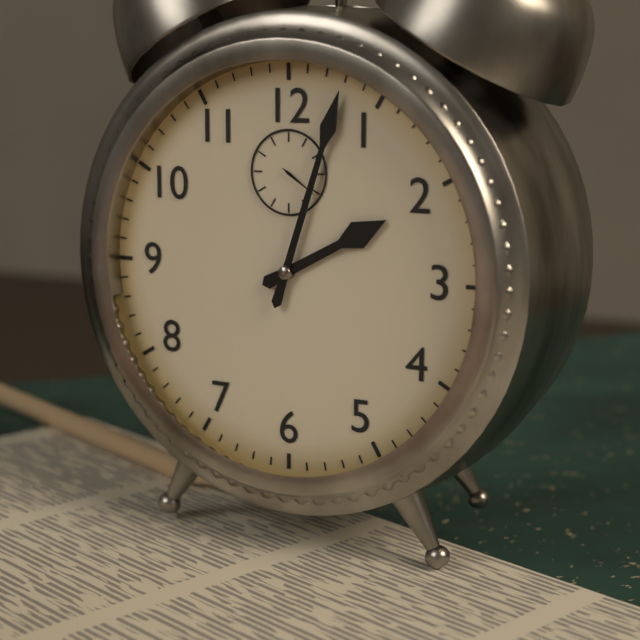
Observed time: 2h03
